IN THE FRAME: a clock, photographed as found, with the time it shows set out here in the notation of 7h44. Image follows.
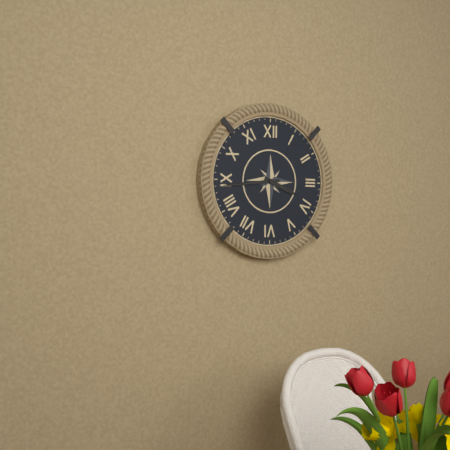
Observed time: 3h44
